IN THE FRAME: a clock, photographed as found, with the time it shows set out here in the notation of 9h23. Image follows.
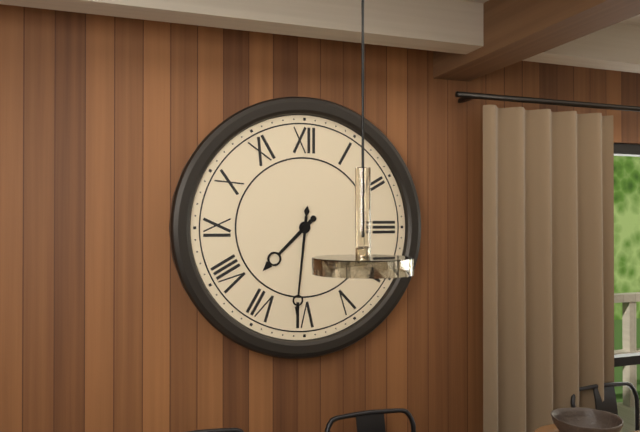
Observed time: 7h31
